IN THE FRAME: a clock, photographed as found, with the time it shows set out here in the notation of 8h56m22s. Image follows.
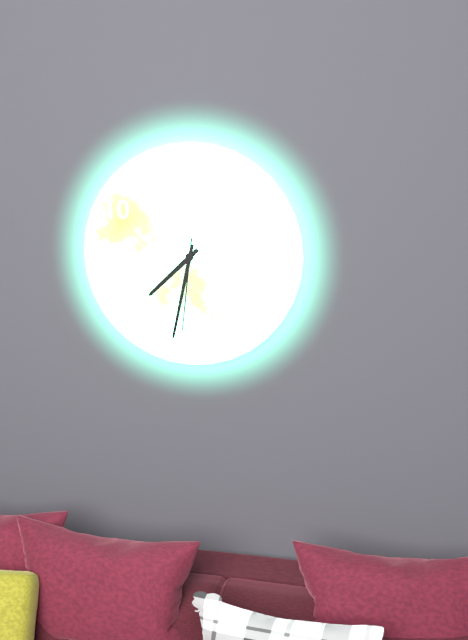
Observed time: 7h32m31s
